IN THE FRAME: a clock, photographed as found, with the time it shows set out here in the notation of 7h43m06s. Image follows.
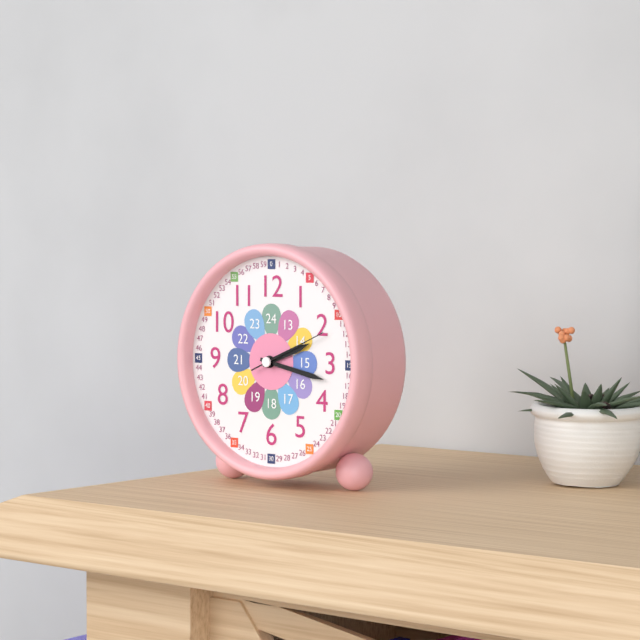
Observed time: 2h17m11s
